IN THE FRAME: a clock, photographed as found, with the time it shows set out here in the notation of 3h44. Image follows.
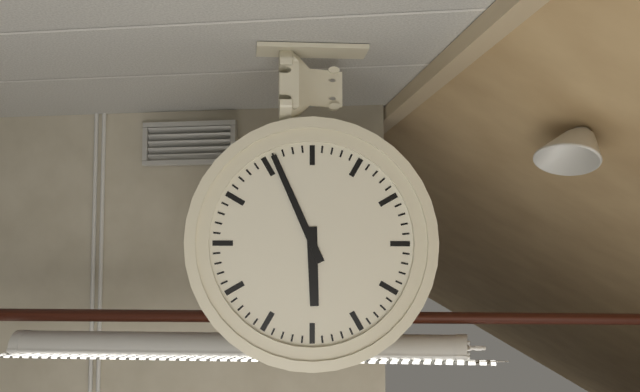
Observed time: 5h56
